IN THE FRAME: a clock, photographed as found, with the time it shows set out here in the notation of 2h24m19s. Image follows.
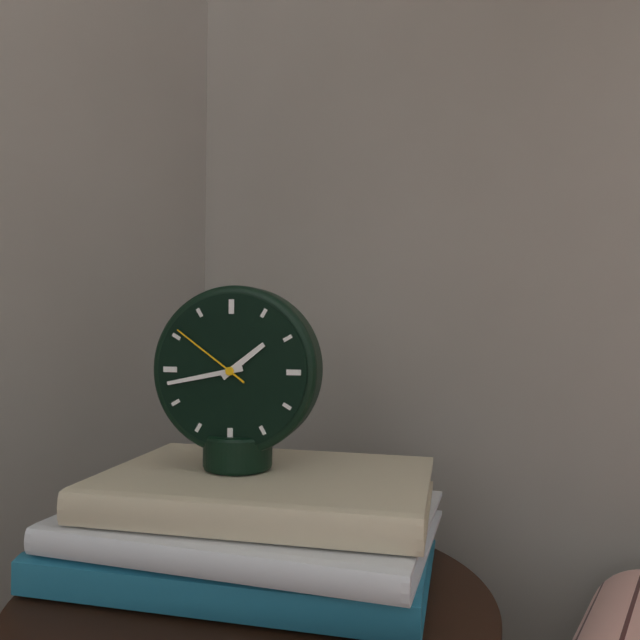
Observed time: 1h43m51s
